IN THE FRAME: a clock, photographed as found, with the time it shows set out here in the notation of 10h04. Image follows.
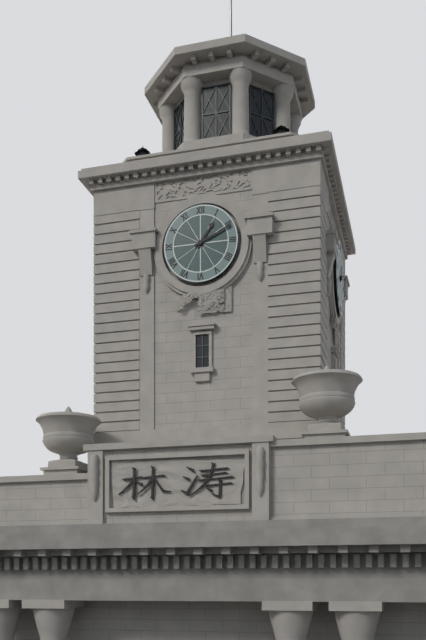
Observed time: 1h11
